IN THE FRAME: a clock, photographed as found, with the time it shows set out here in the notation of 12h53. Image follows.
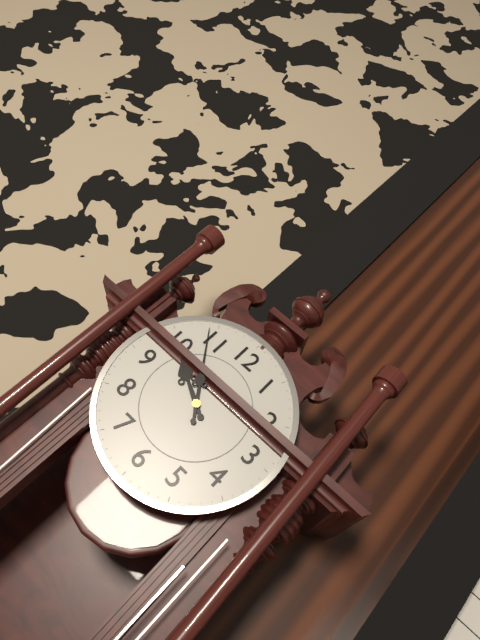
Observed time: 9h54
